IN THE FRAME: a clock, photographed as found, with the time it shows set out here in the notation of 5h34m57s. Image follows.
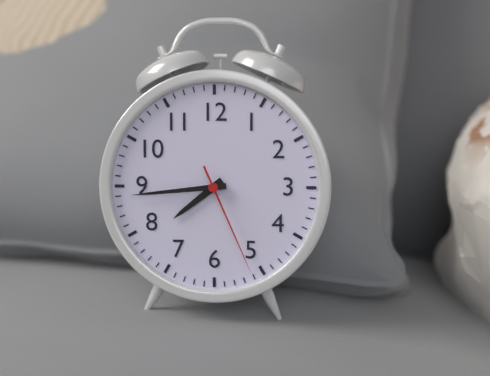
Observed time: 7h44m26s
